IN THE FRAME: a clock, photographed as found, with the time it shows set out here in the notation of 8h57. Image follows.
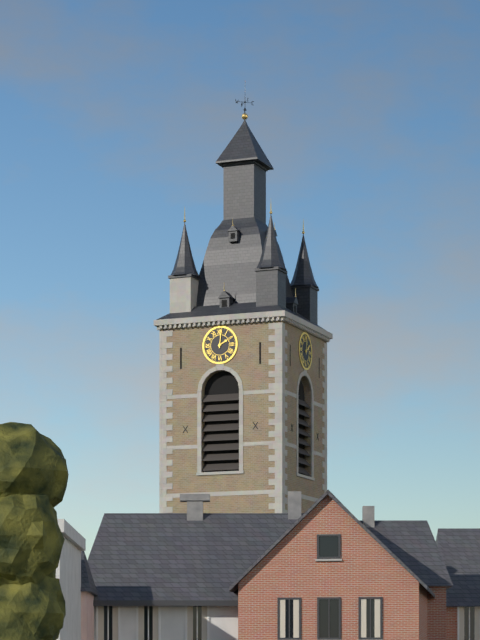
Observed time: 2h01
